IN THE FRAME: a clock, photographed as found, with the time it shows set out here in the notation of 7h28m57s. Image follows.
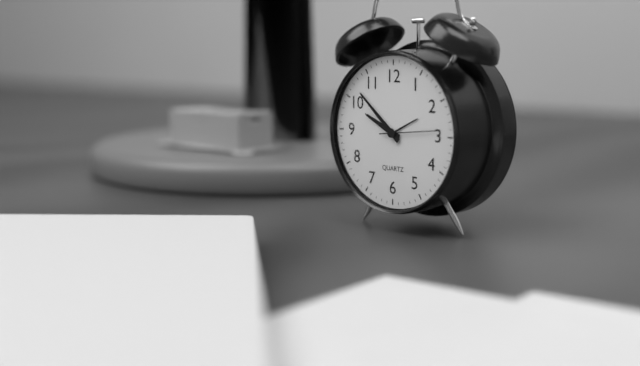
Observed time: 9h52m14s
